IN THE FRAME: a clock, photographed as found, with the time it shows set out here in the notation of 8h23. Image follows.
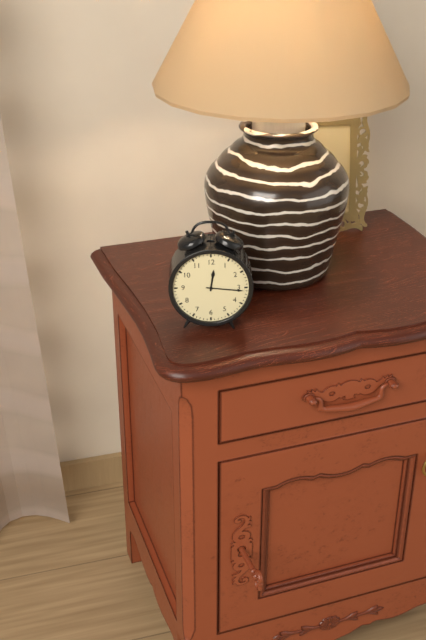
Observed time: 12h16
